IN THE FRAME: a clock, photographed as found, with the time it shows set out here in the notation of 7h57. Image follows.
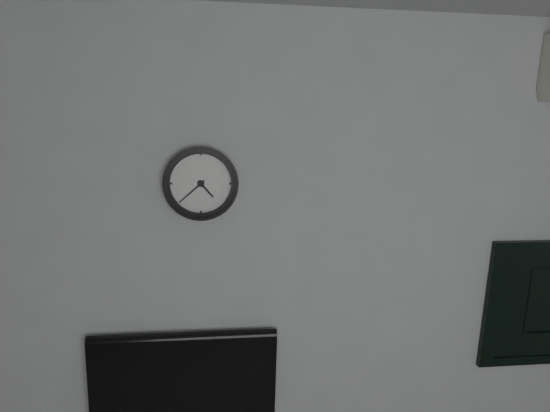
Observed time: 4h38
